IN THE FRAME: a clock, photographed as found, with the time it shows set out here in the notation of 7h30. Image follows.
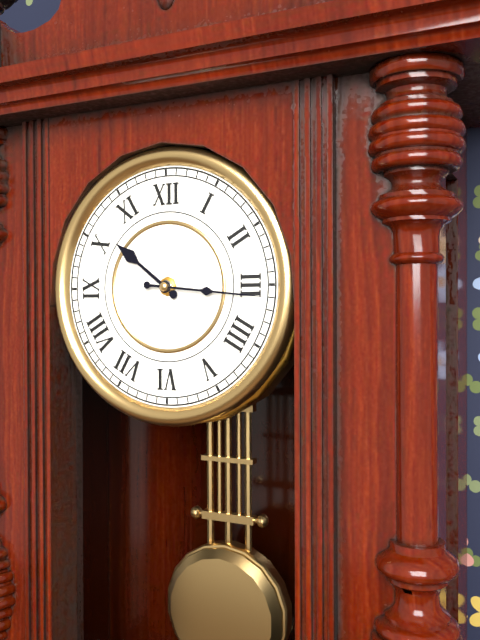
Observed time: 10h16
